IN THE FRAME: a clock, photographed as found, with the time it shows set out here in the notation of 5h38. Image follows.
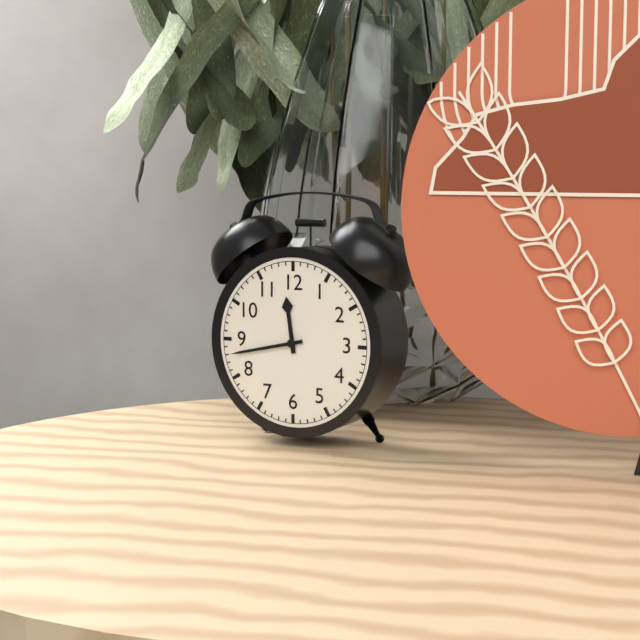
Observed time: 11h43
